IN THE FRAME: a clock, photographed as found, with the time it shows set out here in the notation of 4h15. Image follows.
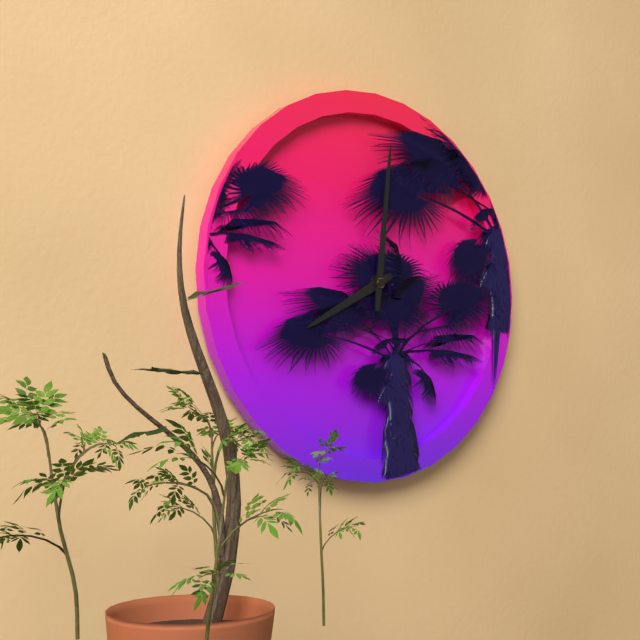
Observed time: 8h01
